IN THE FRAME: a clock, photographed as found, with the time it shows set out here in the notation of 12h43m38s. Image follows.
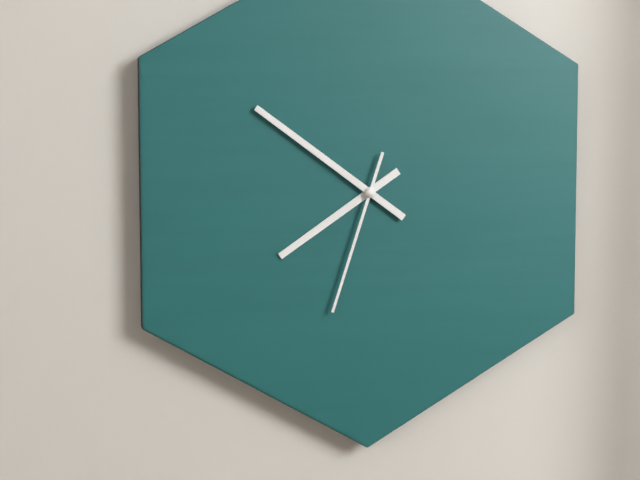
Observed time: 7h51m33s
